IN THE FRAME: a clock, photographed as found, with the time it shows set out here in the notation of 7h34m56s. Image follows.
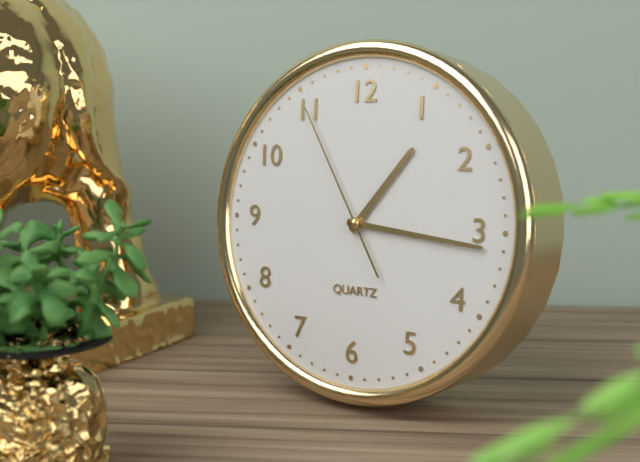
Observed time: 1h16m55s
